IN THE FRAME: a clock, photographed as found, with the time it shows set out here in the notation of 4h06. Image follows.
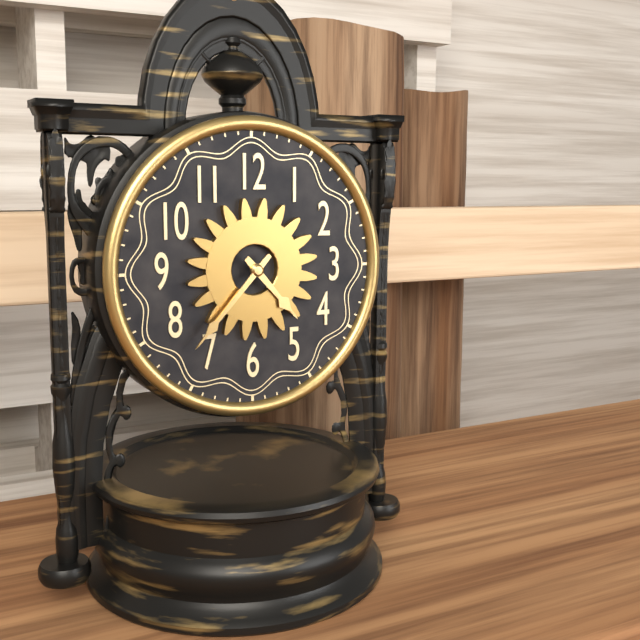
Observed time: 4h37
